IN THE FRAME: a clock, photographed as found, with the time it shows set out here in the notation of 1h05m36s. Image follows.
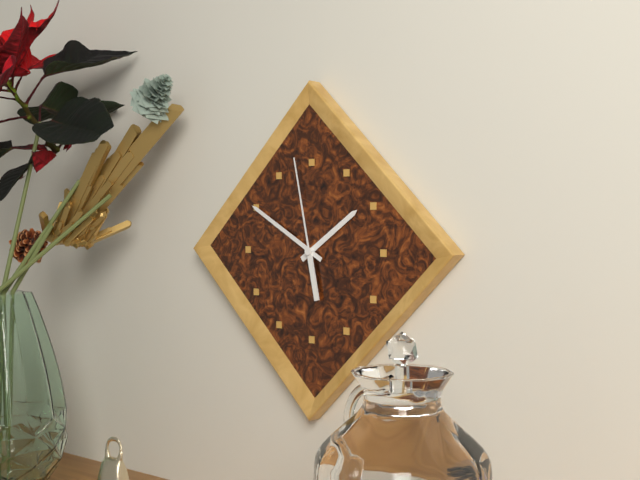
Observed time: 1h50m58s
